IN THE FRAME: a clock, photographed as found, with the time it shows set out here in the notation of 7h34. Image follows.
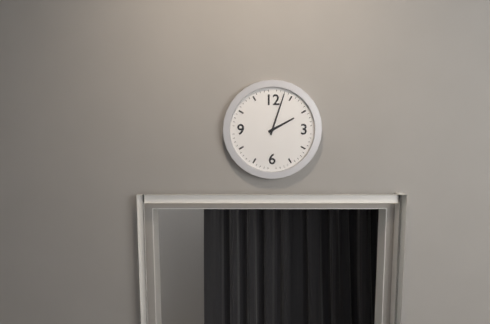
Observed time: 2h03
